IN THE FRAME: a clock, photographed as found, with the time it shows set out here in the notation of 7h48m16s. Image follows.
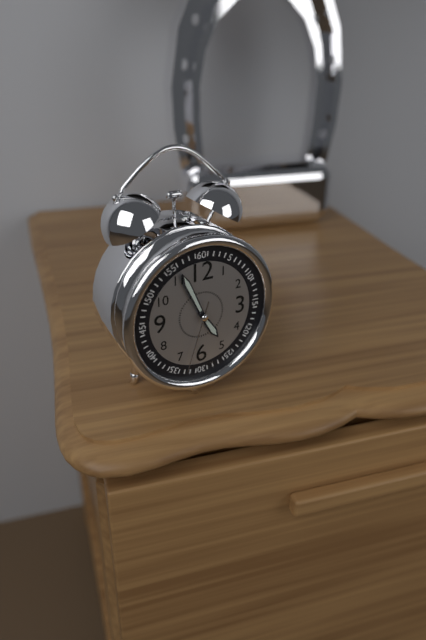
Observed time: 4h56m33s
